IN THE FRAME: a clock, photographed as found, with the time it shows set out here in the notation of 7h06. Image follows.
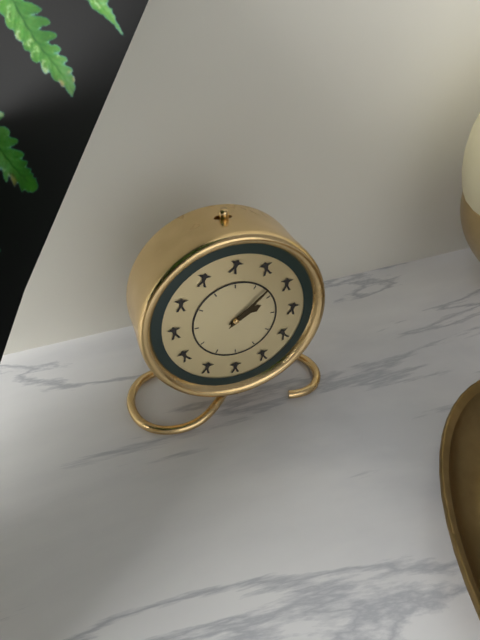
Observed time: 2h08
